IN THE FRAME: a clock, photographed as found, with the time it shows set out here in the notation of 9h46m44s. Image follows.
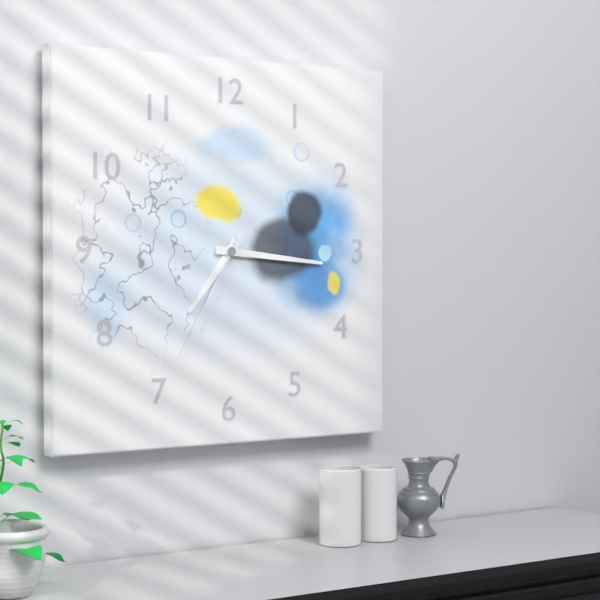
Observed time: 7h16m35s
